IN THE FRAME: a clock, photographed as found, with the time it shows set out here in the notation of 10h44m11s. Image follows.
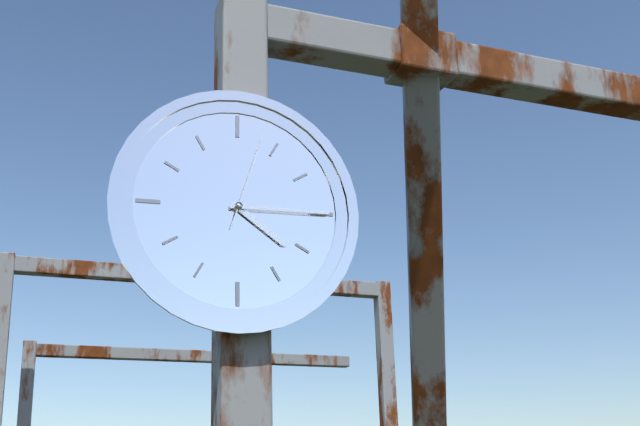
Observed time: 4h15m03s
